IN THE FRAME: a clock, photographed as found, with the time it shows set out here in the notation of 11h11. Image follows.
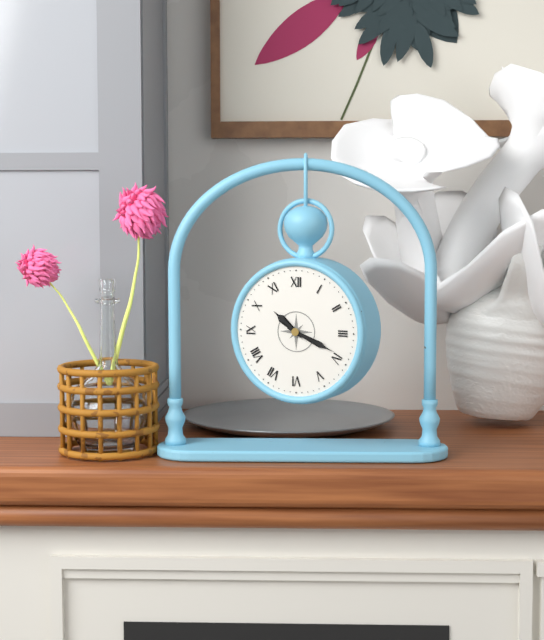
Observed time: 10h19
